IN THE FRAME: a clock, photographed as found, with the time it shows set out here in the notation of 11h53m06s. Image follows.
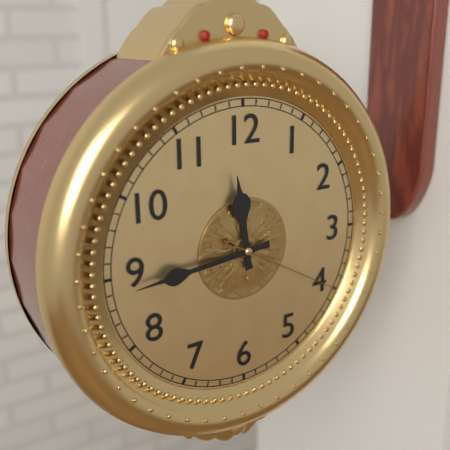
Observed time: 11h44m20s
